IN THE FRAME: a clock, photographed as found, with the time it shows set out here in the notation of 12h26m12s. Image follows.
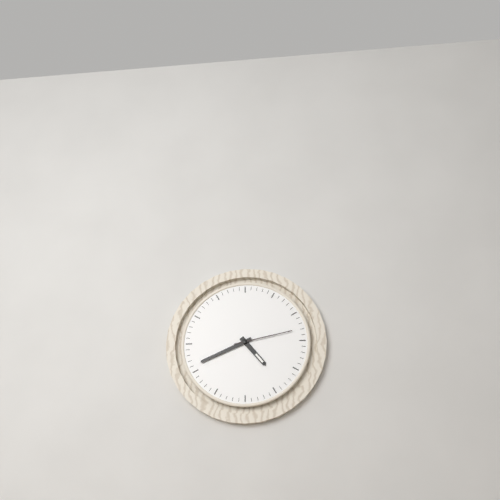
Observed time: 4h41m13s
